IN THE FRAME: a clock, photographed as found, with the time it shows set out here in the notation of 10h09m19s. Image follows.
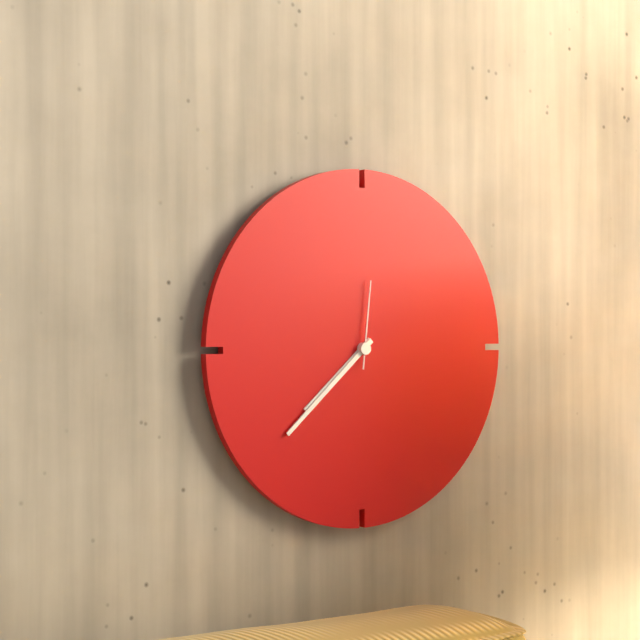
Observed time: 7h38m01s
